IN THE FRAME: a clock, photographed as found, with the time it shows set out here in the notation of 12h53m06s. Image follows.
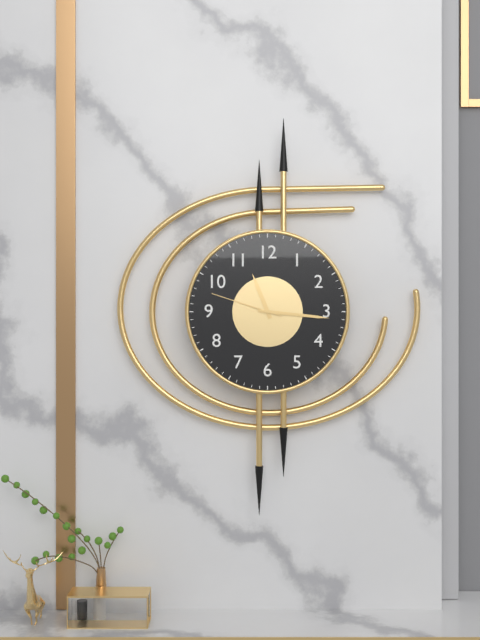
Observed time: 11h16m48s
